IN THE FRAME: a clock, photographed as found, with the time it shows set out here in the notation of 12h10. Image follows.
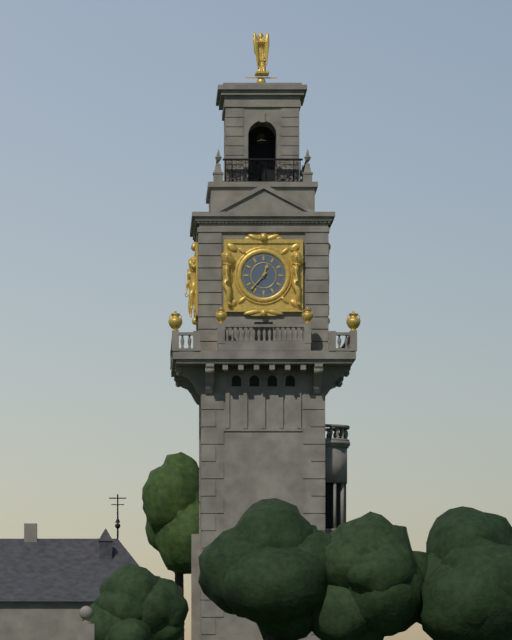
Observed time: 12h37
